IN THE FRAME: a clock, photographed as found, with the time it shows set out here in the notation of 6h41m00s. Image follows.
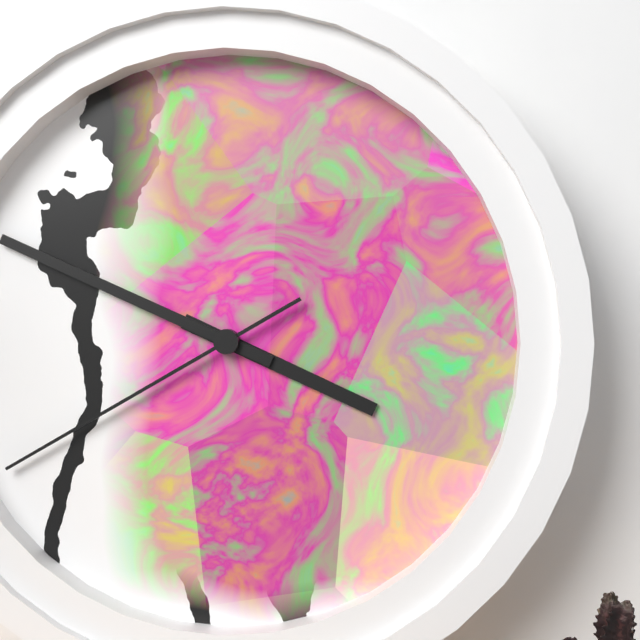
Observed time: 3h49m40s
